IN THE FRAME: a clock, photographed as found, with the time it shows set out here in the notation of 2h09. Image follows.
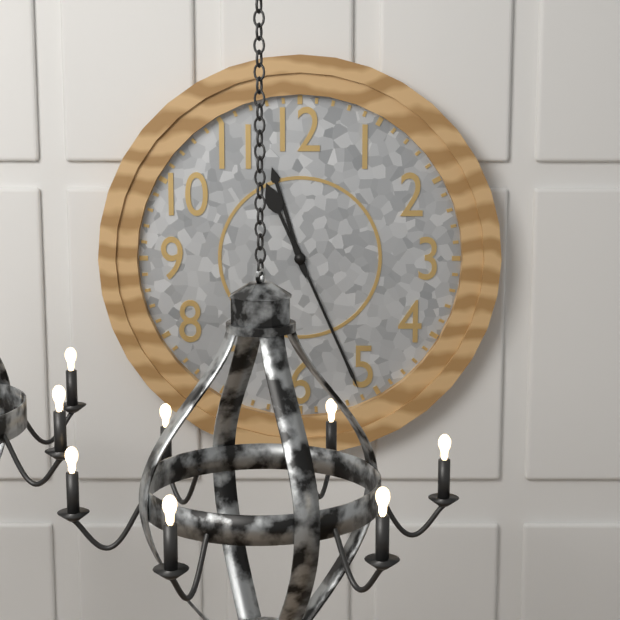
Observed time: 11h26
